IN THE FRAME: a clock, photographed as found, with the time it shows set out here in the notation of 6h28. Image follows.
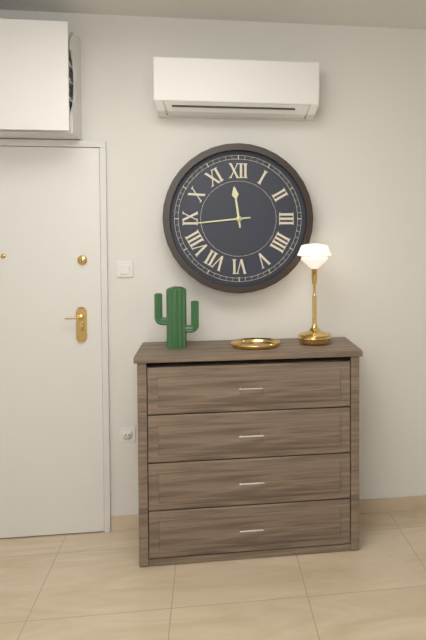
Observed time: 11h44
